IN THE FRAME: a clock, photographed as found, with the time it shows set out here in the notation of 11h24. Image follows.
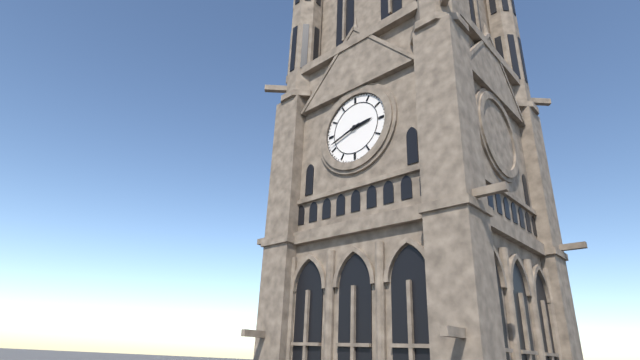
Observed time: 2h42
